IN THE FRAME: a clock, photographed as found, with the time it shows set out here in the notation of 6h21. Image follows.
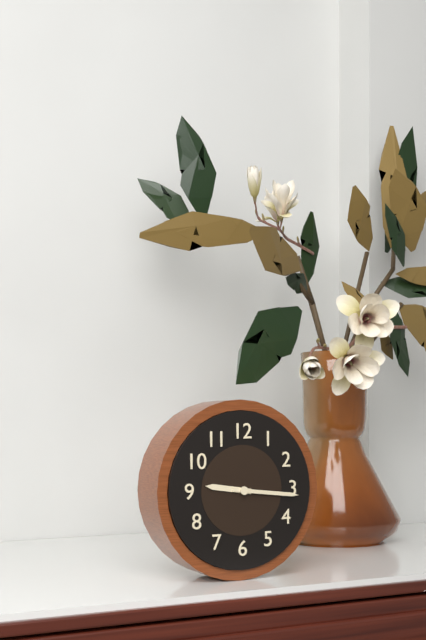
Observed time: 9h16
